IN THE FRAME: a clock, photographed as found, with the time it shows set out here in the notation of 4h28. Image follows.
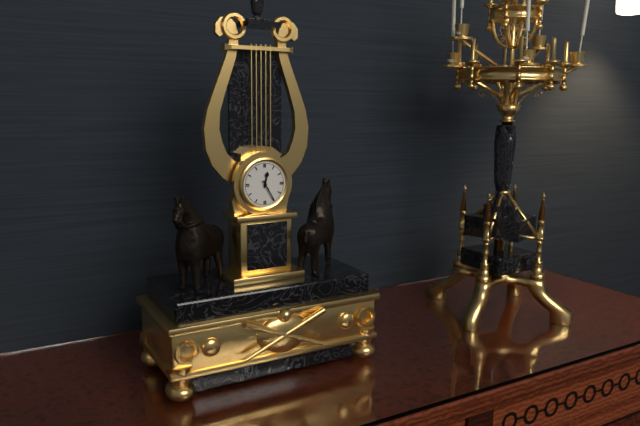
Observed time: 12h25
